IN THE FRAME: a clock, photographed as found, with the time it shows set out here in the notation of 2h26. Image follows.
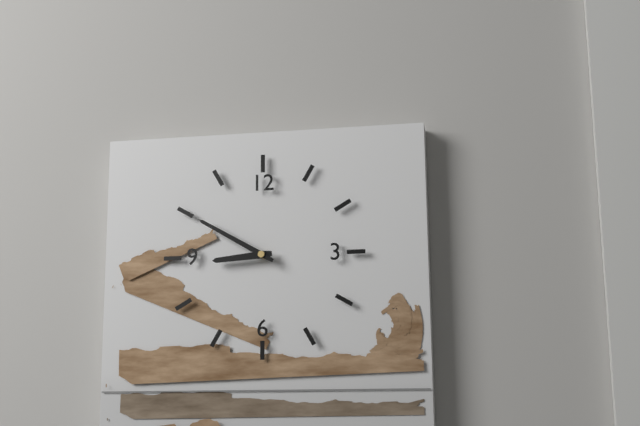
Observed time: 8h50
